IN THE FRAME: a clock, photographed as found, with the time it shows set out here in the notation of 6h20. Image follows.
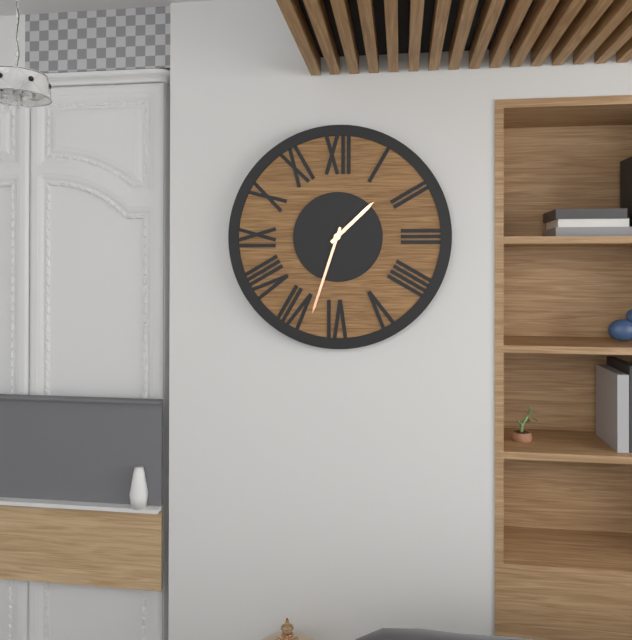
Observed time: 1h33
